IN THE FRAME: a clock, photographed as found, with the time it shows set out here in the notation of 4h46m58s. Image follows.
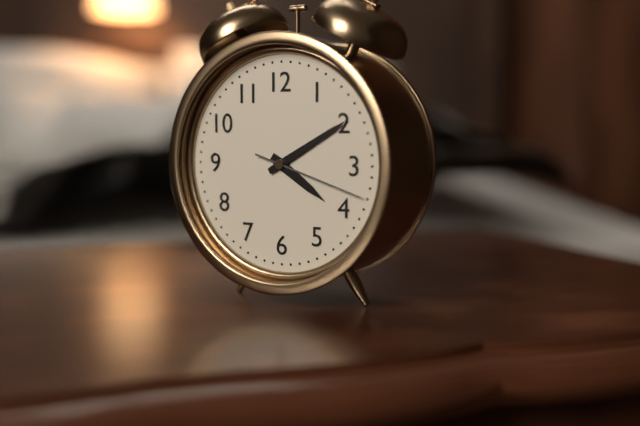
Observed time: 4h10m18s
